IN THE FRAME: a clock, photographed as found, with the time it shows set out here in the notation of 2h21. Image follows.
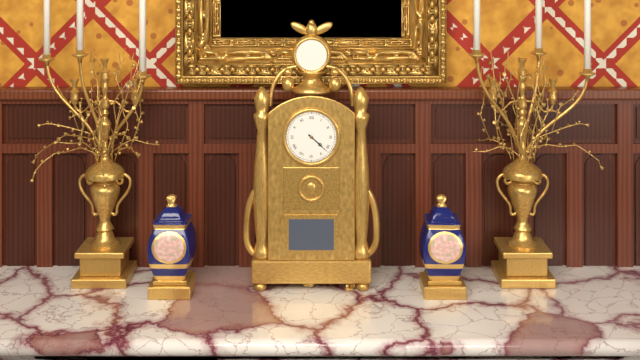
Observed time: 4h22
